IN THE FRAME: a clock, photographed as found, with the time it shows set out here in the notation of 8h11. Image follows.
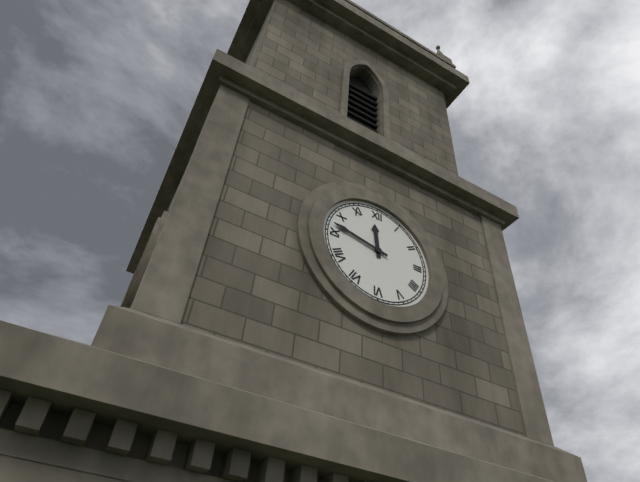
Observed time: 11h47
